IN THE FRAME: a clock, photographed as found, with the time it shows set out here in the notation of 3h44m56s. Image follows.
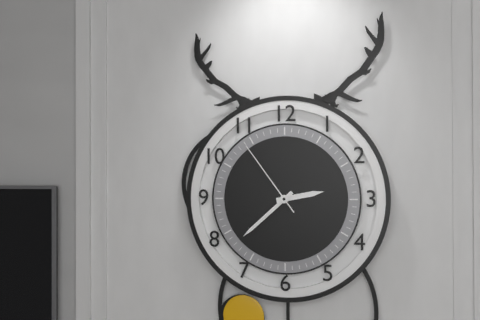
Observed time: 2h38m54s
